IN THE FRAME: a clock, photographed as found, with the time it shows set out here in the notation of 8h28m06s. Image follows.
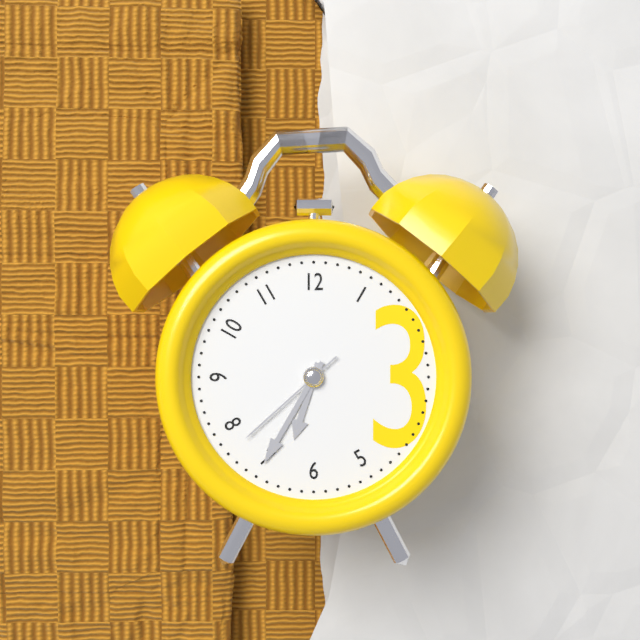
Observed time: 6h35m38s
